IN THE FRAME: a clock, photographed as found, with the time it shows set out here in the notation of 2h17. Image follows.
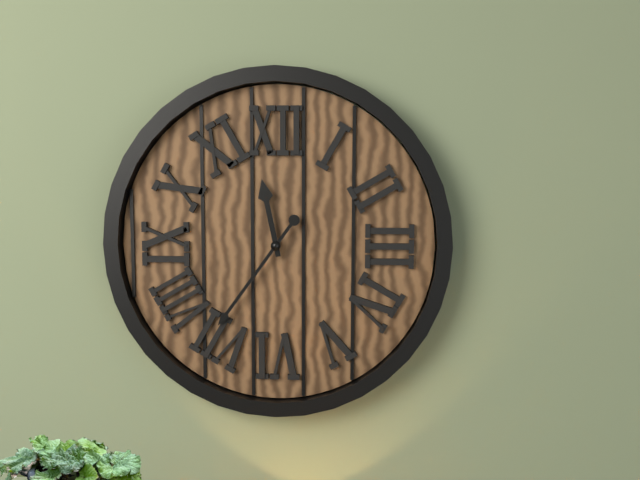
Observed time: 11h36
